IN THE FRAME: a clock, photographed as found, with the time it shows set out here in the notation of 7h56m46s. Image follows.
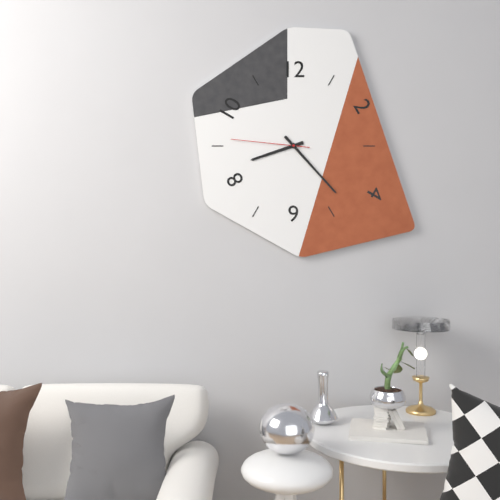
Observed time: 8h23m46s
